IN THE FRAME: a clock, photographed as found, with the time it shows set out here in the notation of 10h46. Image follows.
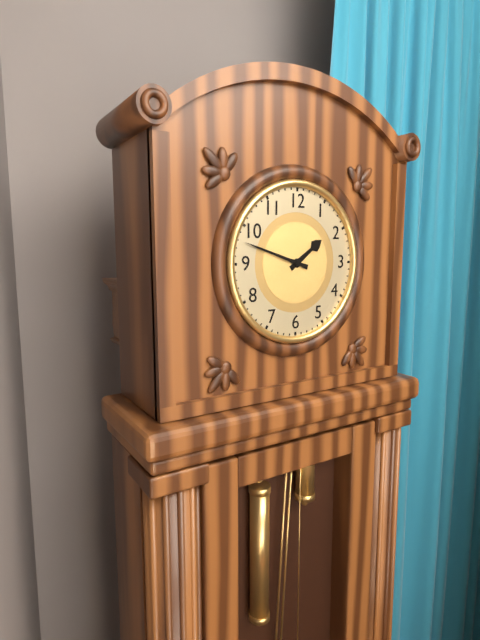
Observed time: 1h48
